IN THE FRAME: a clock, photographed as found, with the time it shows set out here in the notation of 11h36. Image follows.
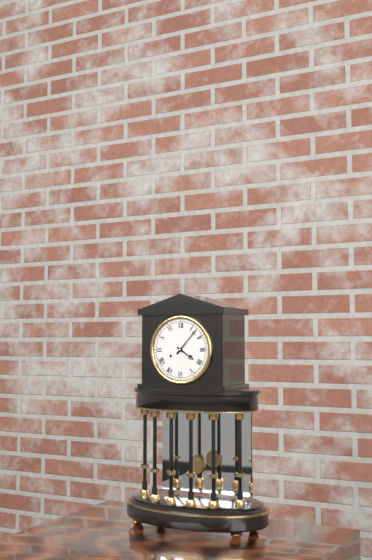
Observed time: 4h07
